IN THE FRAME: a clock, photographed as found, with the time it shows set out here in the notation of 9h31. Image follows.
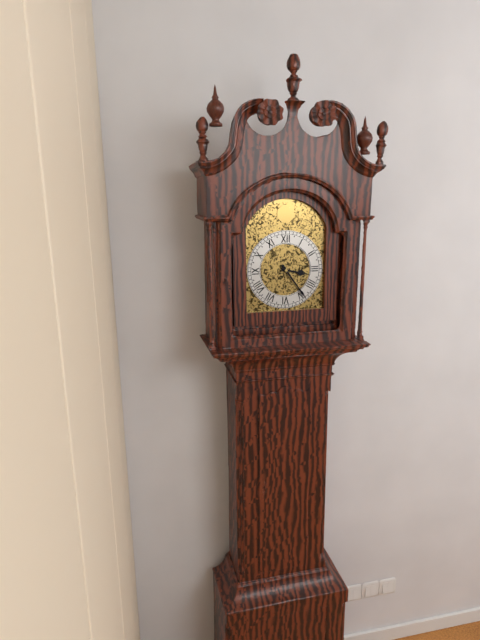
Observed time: 3h24
